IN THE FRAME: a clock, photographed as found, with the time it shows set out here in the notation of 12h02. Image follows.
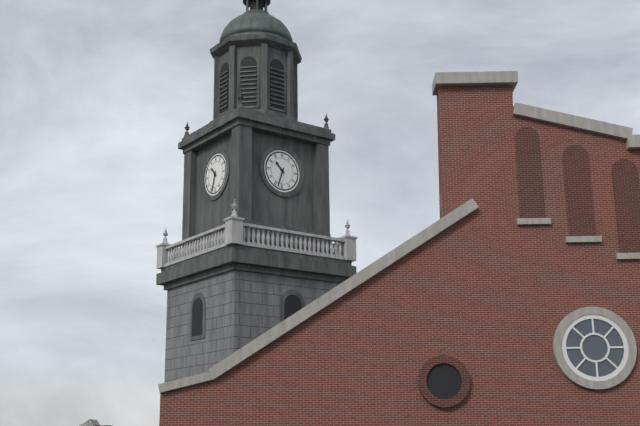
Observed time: 10h33
